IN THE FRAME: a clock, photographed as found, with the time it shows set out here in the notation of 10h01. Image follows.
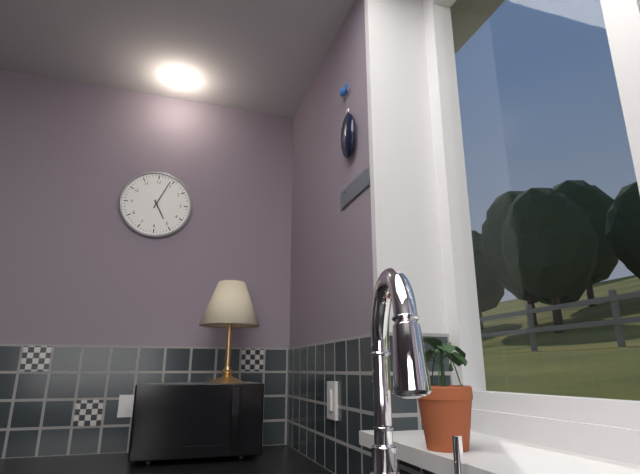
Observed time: 5h04
